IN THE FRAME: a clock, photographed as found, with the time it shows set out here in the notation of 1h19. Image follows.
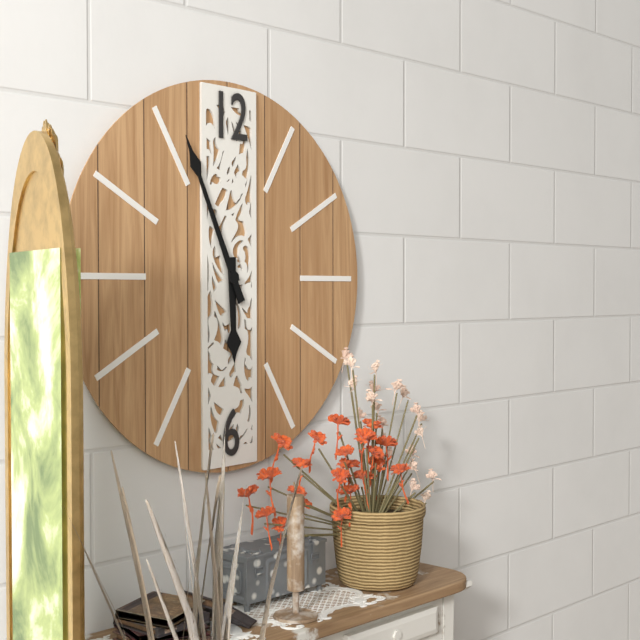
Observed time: 5h56
